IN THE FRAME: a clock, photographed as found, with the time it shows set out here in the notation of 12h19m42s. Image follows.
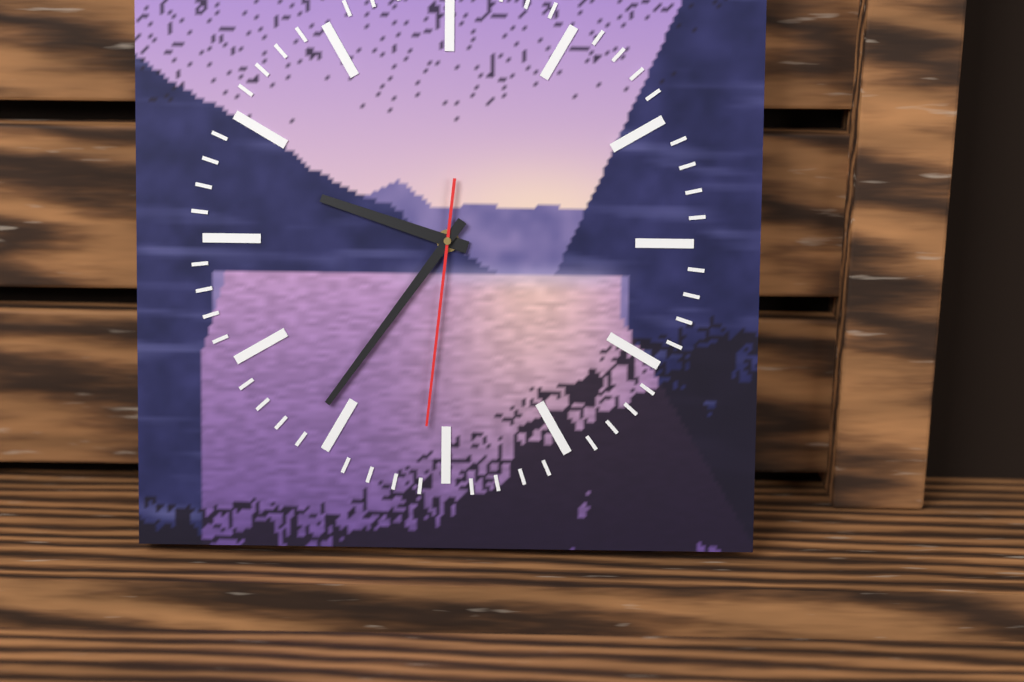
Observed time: 9h36m31s
